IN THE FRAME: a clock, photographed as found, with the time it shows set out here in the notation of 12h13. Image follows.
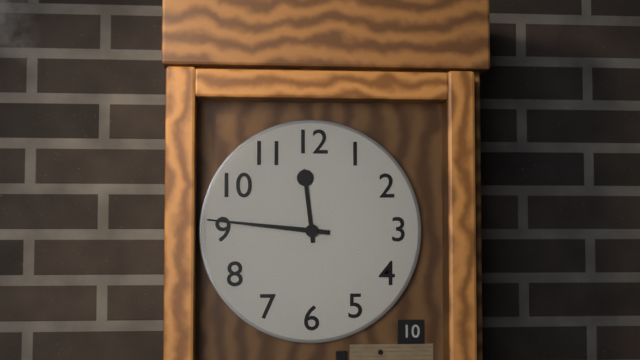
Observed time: 11h46
